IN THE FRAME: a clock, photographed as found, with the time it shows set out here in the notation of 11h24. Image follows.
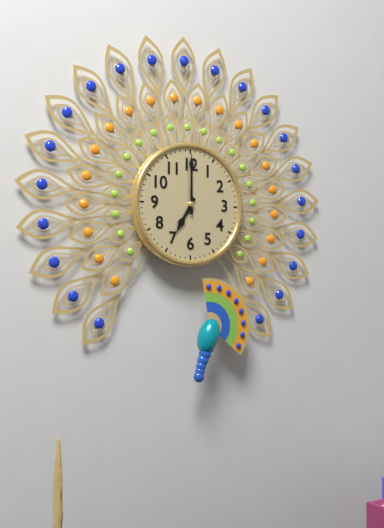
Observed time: 7h00
